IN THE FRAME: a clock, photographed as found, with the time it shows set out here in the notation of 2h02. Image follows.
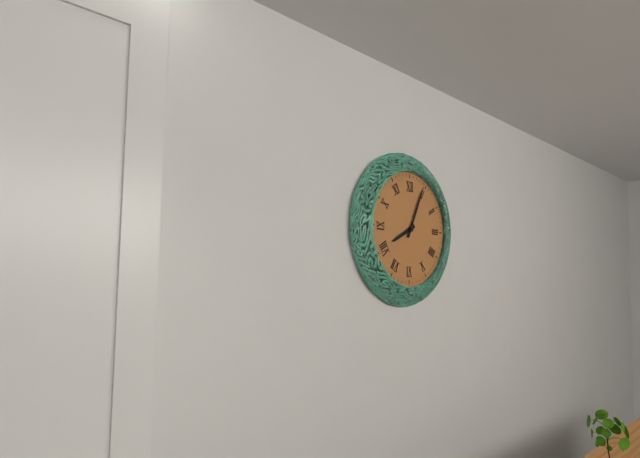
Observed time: 8h04
